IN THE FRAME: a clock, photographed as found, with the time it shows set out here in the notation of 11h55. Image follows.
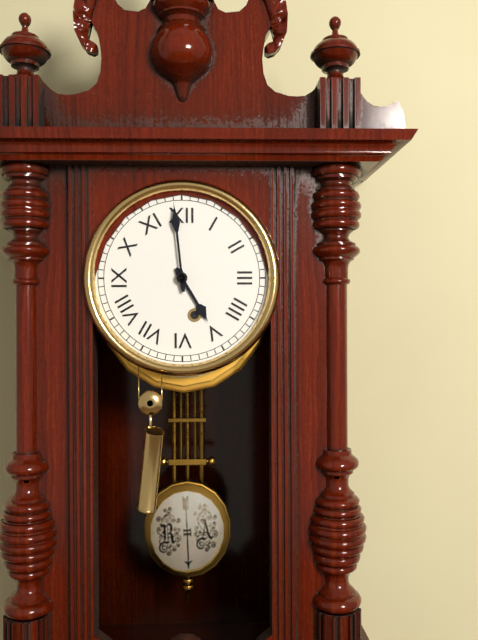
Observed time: 4h59
